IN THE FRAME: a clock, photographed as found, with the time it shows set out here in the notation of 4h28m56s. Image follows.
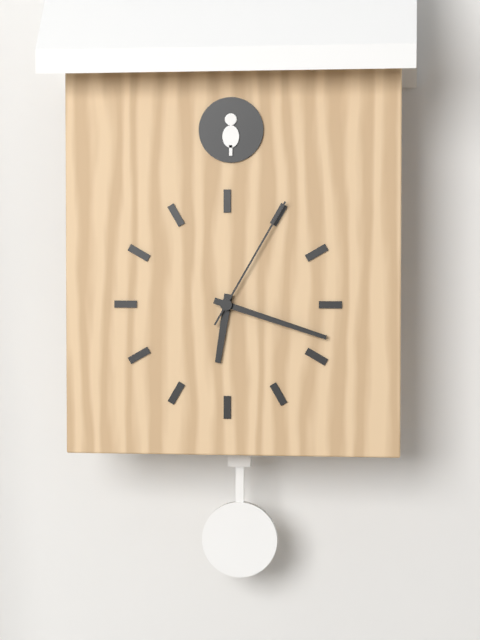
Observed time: 6h18m05s
